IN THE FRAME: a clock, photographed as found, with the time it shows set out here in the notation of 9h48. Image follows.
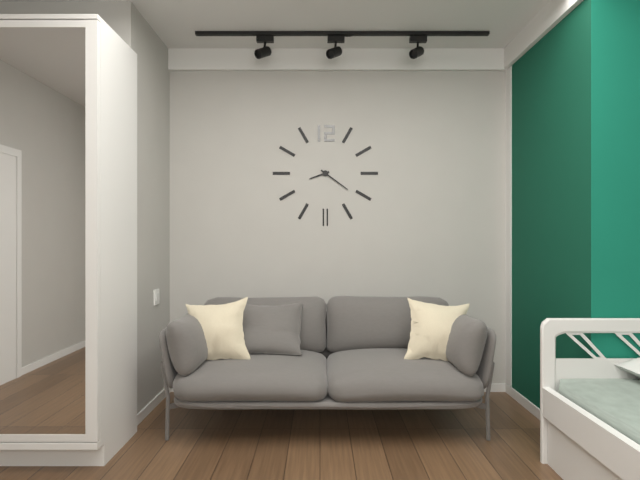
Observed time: 8h21
